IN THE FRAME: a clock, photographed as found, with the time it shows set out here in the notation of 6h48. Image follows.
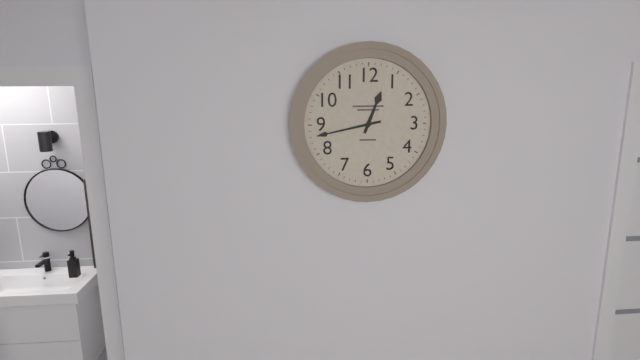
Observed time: 12h43
